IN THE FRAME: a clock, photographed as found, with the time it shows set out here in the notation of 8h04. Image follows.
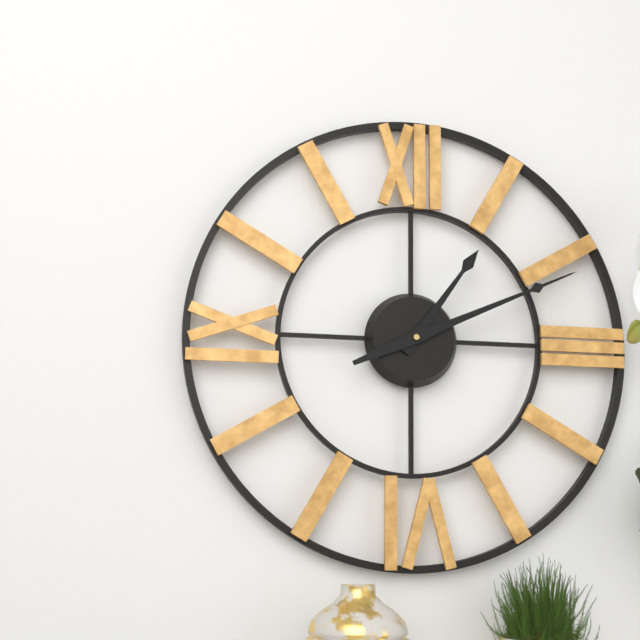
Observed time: 1h11
